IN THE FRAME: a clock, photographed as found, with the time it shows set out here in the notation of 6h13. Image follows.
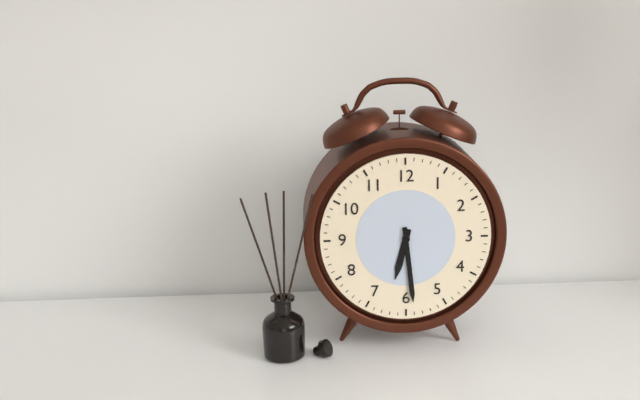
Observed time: 6h29
